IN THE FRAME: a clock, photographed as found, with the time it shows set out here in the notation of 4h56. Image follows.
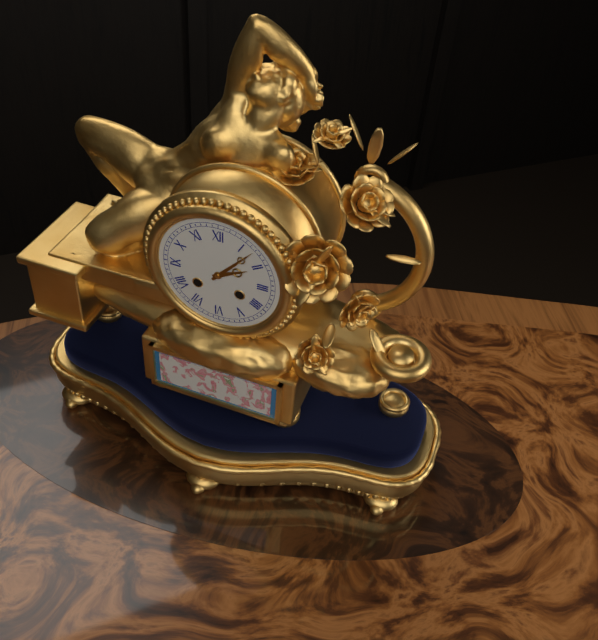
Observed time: 2h07
